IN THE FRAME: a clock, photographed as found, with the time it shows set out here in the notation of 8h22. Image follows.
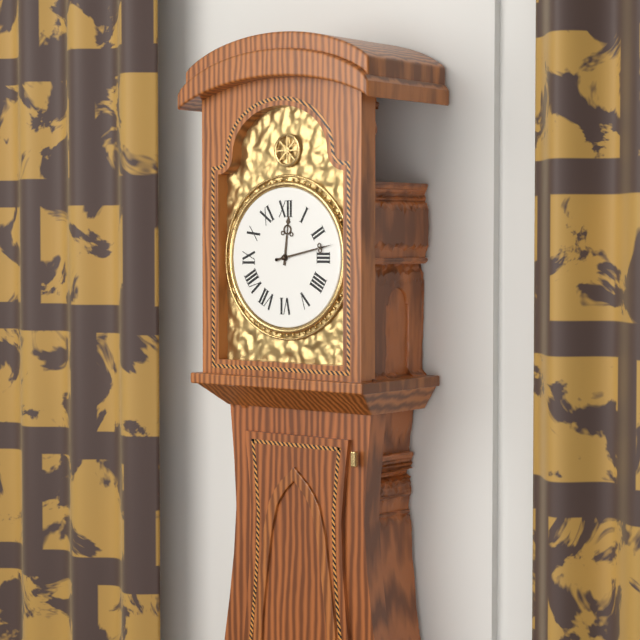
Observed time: 12h13
